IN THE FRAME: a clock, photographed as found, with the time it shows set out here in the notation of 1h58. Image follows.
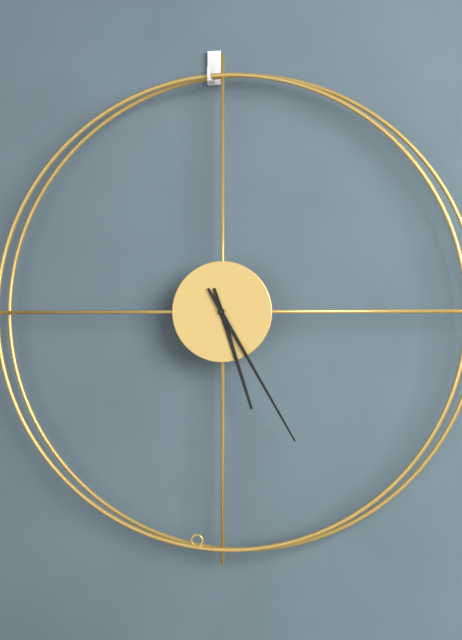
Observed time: 5h25
